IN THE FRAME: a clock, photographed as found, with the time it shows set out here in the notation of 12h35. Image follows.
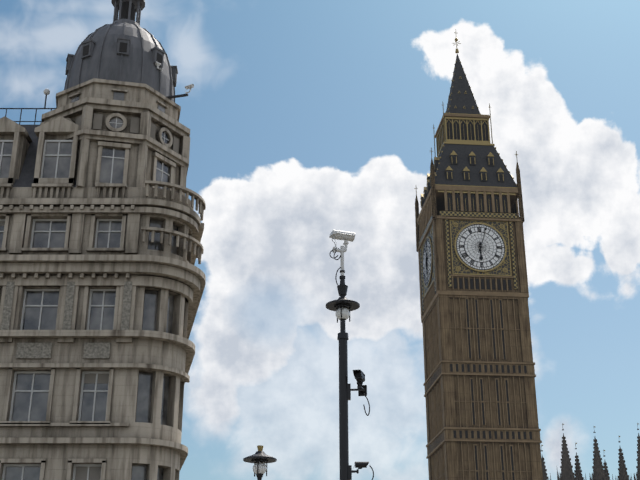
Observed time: 6h03
